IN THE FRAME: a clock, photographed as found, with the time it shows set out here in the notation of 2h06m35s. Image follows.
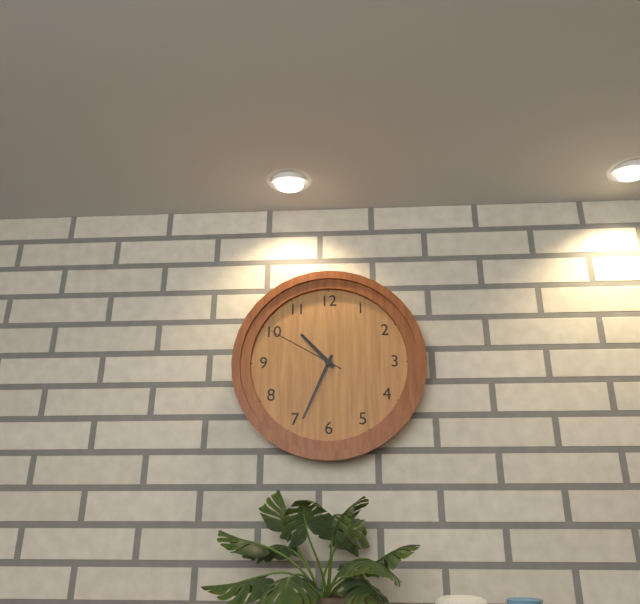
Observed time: 10h34m50s
